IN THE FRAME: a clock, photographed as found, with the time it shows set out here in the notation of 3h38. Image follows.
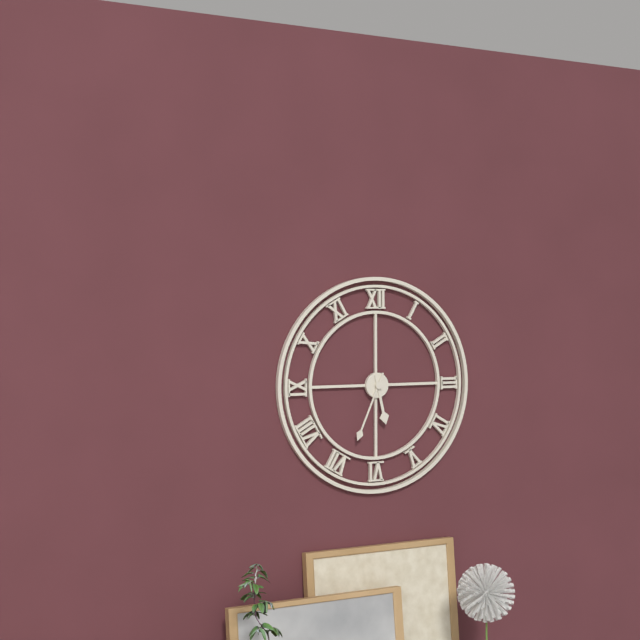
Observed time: 5h34
